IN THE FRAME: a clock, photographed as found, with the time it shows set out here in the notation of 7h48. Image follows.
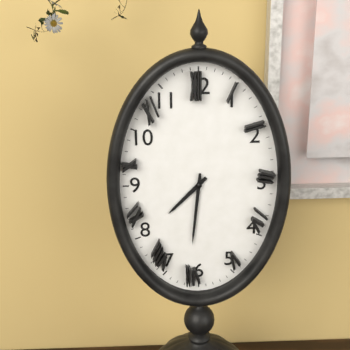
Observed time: 7h31
